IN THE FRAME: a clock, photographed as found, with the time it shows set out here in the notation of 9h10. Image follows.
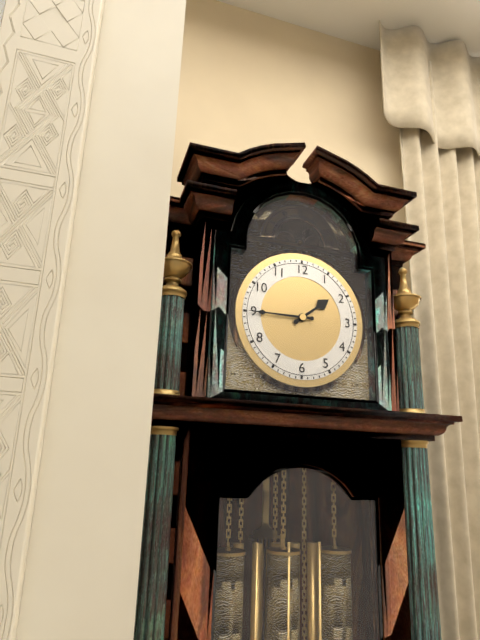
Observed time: 1h45
